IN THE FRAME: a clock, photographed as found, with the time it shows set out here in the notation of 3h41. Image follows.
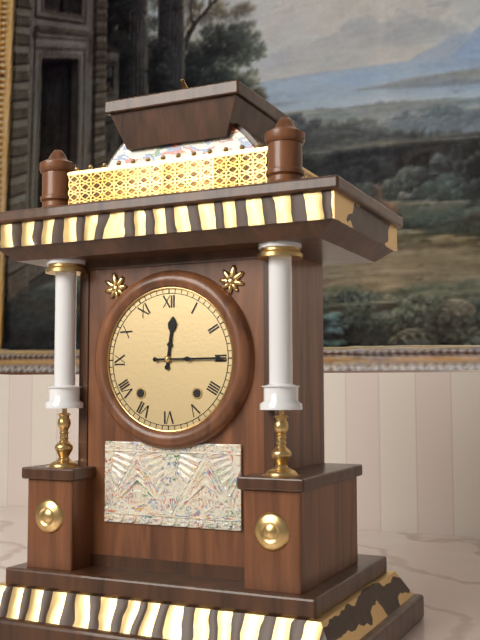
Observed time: 12h15
